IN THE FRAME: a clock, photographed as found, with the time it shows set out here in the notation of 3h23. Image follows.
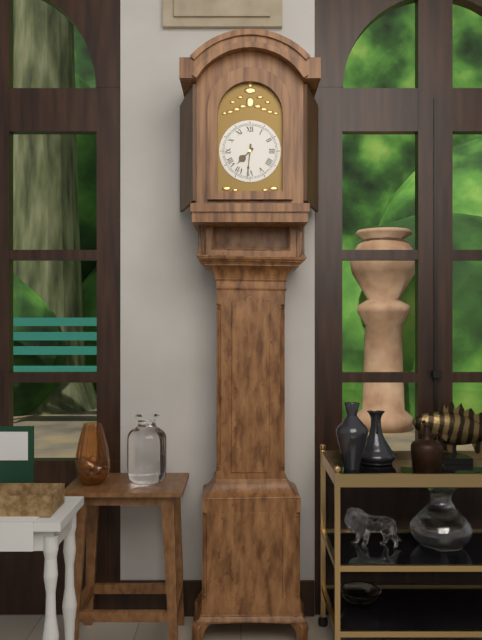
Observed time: 7h31
